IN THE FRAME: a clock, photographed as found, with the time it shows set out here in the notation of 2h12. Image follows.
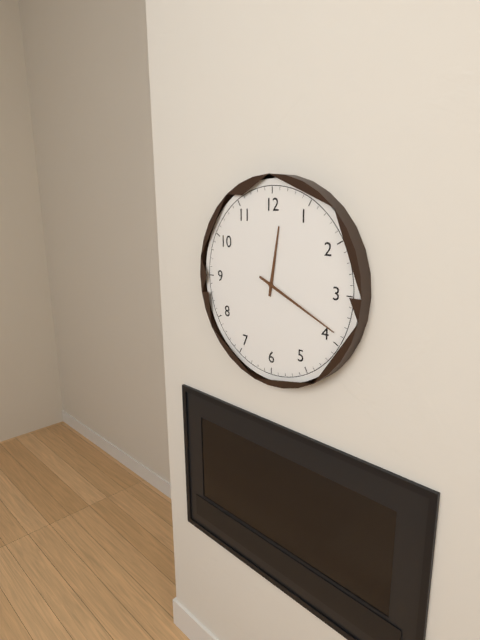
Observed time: 12h19
